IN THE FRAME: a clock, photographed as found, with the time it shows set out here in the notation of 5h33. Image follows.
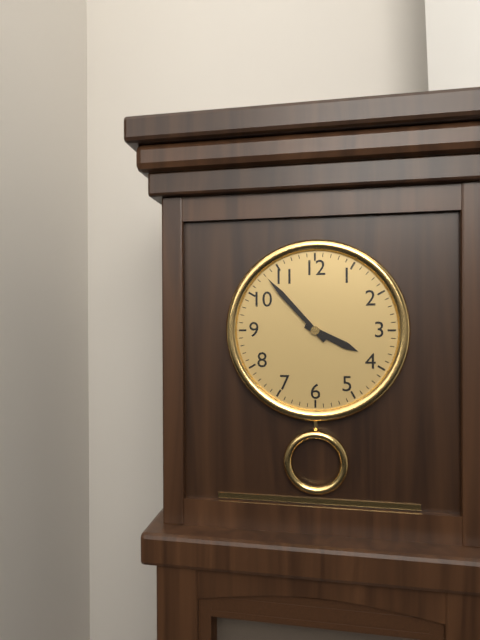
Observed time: 3h53
